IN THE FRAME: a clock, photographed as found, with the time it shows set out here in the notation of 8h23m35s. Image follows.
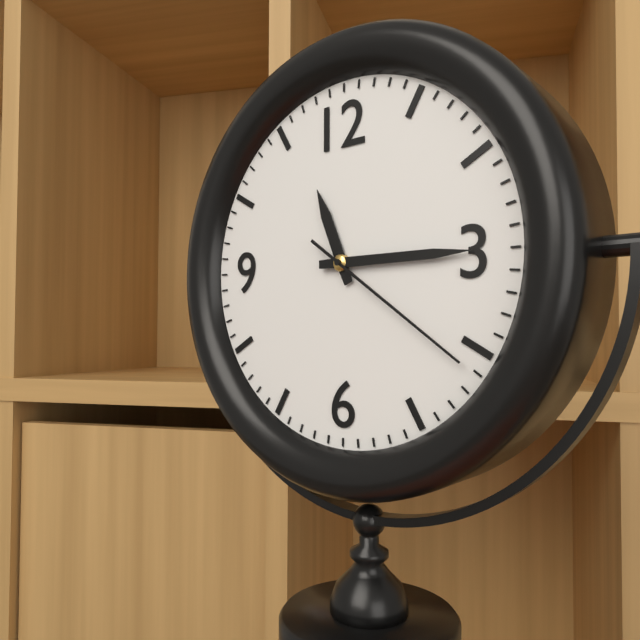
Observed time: 11h15m21s
